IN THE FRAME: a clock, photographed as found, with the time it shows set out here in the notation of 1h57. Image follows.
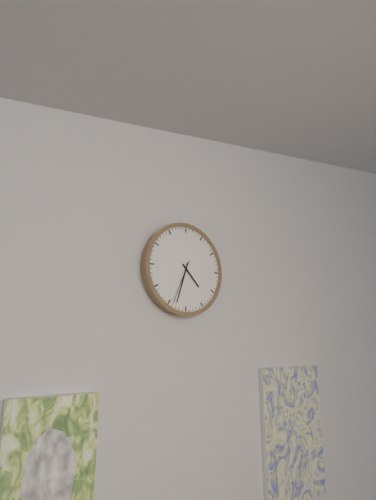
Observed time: 4h33
